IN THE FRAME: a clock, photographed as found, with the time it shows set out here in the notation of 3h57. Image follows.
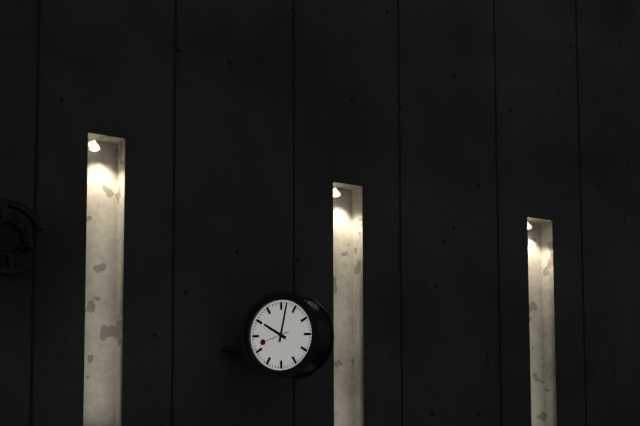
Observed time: 10h02
